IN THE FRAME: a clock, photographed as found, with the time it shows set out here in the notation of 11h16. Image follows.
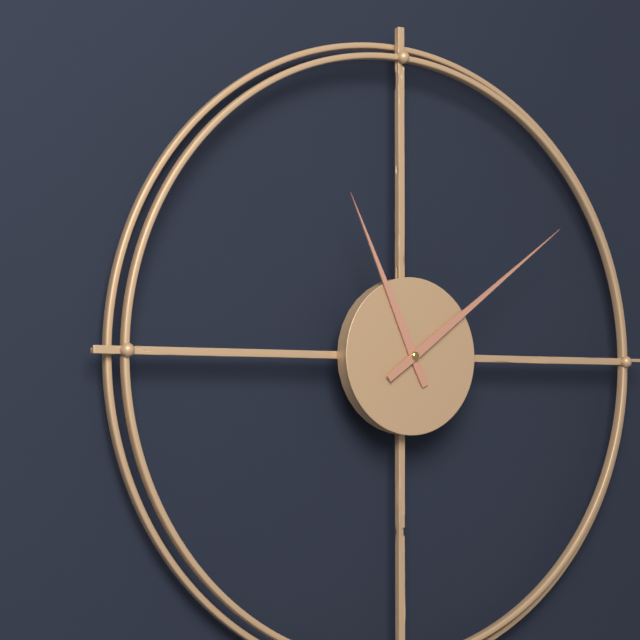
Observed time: 11h09
